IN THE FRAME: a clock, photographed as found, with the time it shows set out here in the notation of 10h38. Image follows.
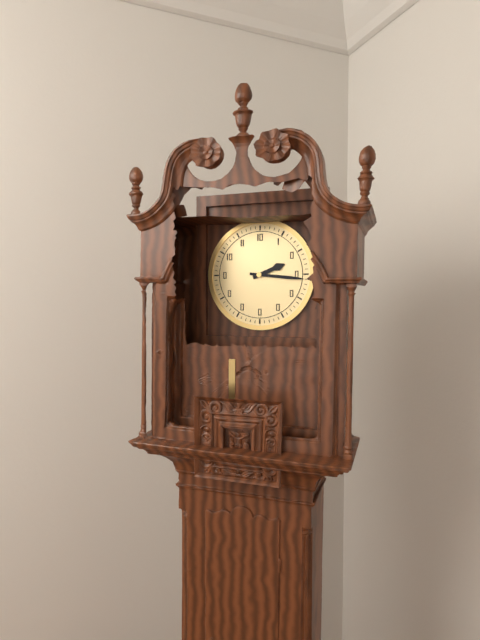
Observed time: 2h16
